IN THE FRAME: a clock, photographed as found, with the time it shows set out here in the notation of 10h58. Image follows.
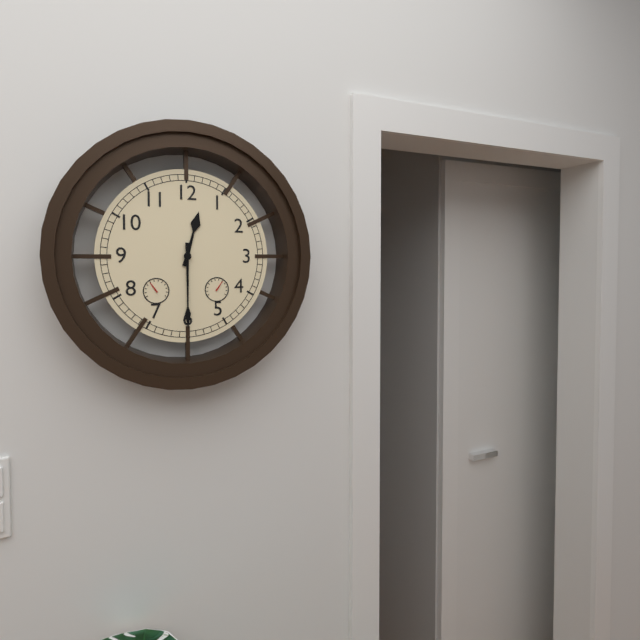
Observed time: 12h30
